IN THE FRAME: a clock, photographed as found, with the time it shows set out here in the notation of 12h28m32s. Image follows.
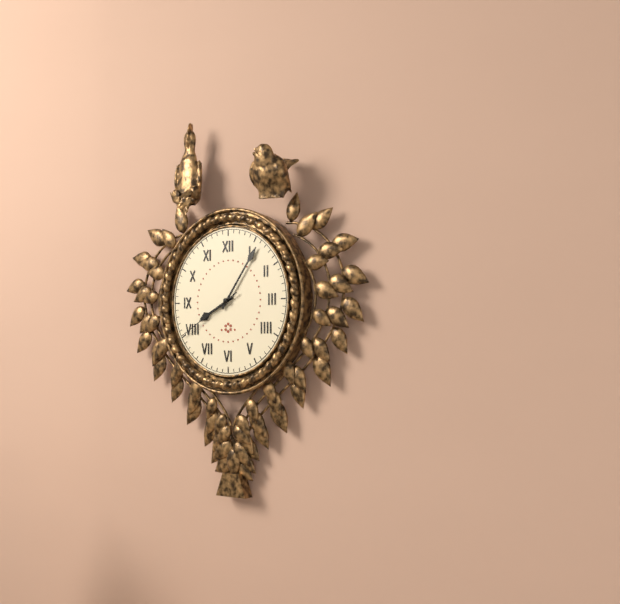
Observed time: 8h06m40s
